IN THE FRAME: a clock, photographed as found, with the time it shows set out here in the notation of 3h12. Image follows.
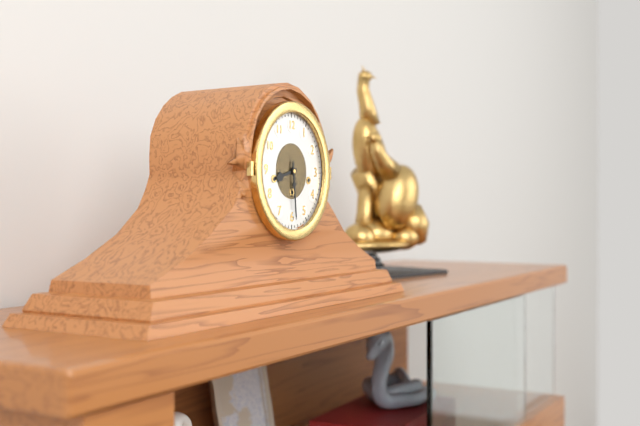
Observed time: 8h29
